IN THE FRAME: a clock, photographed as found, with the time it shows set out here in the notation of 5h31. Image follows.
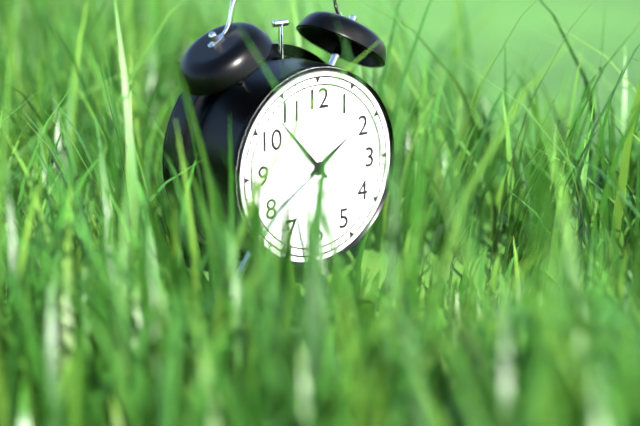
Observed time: 1h53
